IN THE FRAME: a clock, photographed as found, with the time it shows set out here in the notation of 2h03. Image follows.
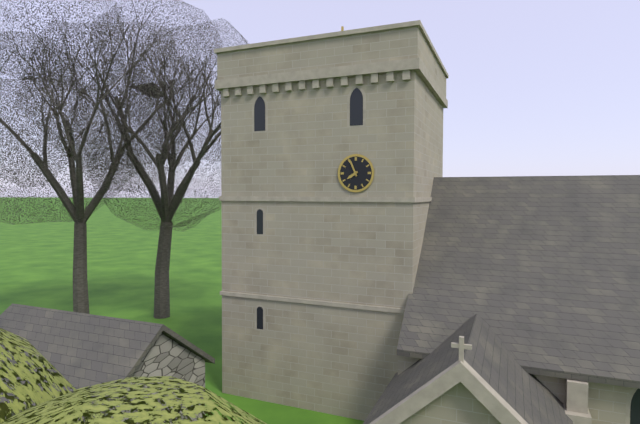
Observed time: 7h56
